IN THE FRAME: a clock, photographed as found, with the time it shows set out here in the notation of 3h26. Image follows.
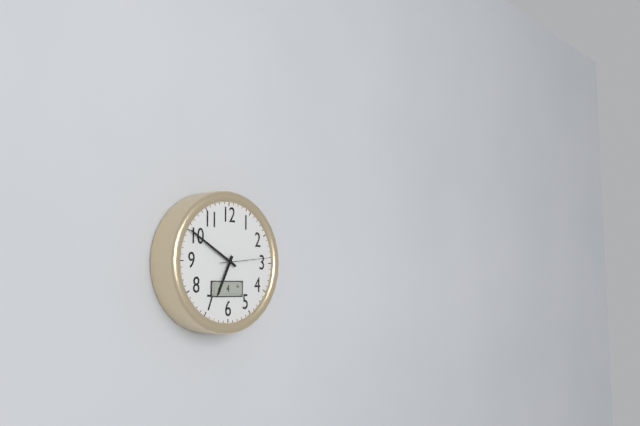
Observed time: 6h50
